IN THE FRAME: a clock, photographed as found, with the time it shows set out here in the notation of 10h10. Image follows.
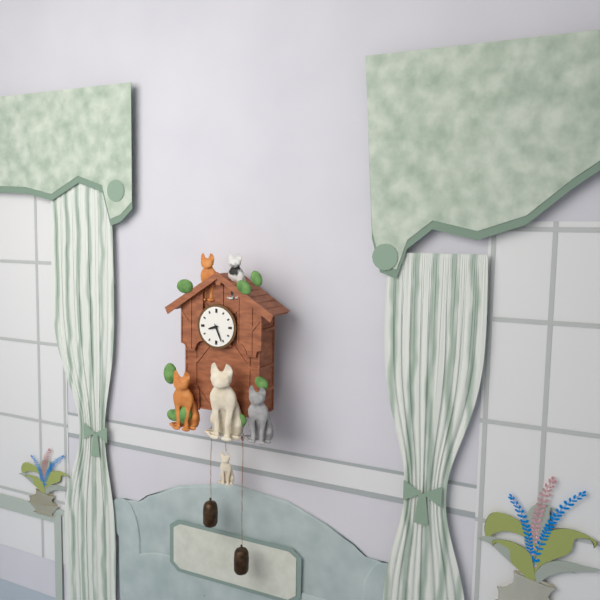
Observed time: 8h26
